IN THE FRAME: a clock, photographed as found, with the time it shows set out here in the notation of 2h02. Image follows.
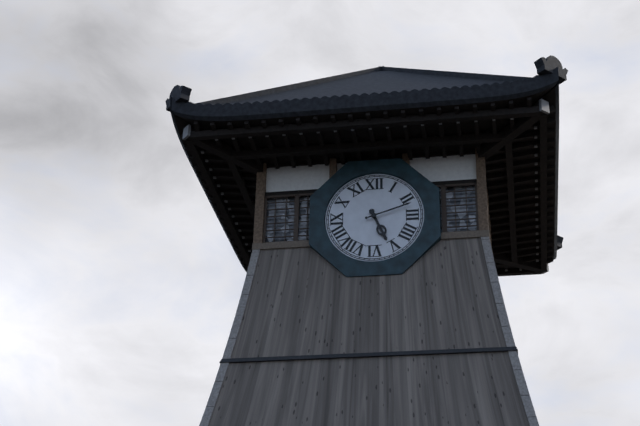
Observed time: 5h12
